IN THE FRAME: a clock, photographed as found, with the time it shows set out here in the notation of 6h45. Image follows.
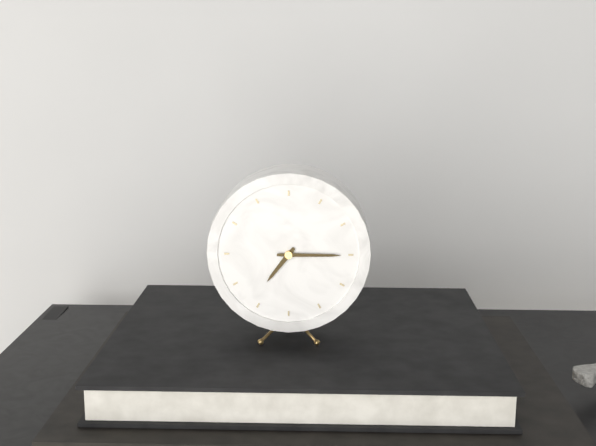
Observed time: 7h15
